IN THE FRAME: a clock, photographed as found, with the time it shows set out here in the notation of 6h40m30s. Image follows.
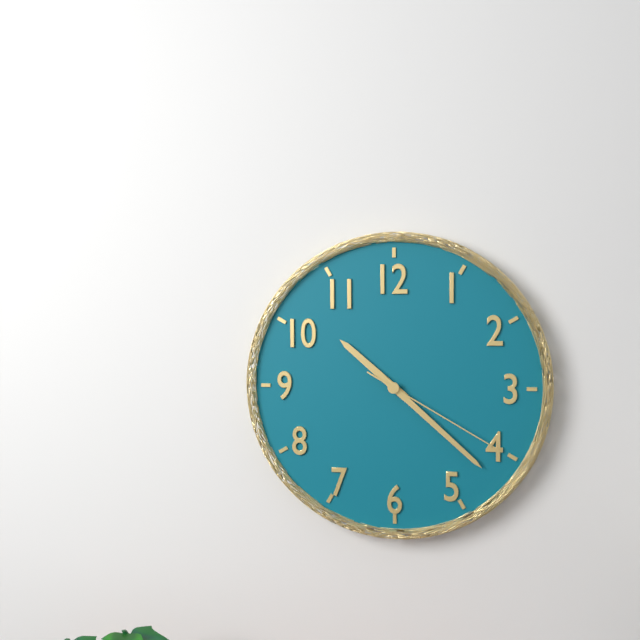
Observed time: 10h22m20s
